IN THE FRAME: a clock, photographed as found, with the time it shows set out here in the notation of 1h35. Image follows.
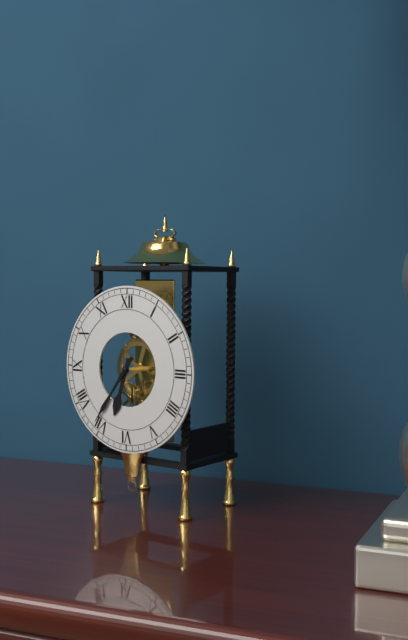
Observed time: 6h36
